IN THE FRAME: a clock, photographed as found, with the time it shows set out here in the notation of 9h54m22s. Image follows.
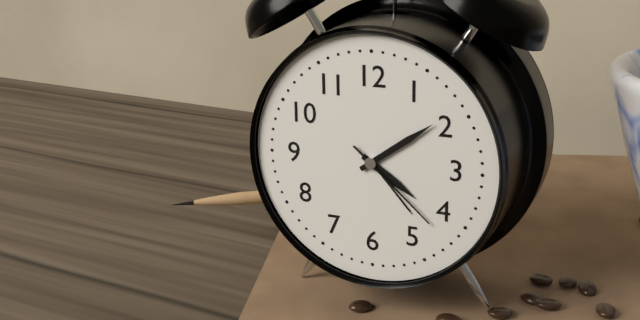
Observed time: 4h09m22s
